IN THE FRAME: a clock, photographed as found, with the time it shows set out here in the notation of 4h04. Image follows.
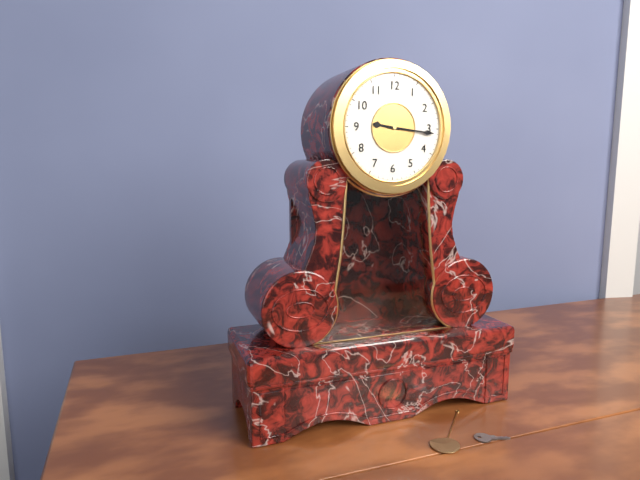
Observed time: 9h16
